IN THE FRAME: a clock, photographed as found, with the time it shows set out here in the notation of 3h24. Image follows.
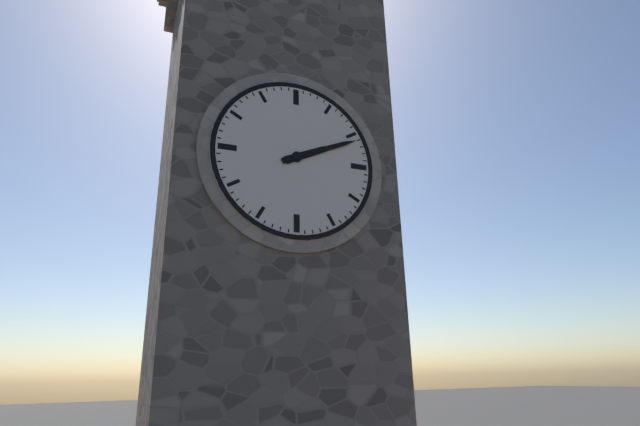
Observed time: 2h11
